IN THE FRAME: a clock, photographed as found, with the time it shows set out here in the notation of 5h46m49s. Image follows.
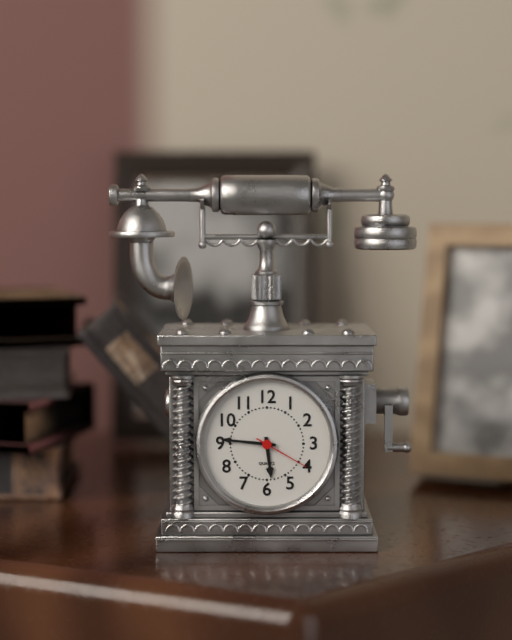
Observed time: 5h46m20s
